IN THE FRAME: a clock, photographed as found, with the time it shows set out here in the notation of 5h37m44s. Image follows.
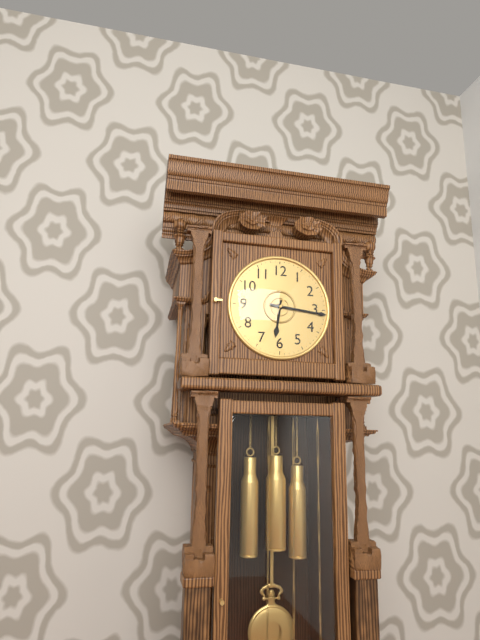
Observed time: 6h16m34s
